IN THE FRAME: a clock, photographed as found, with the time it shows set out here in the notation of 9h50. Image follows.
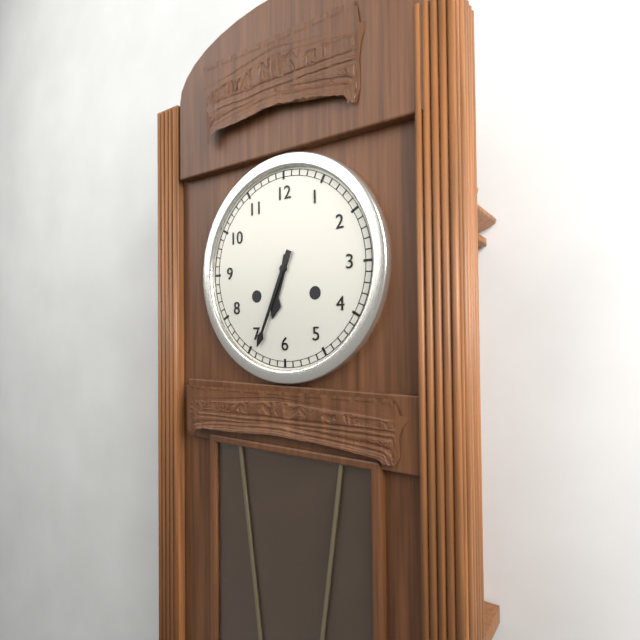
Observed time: 6h34
